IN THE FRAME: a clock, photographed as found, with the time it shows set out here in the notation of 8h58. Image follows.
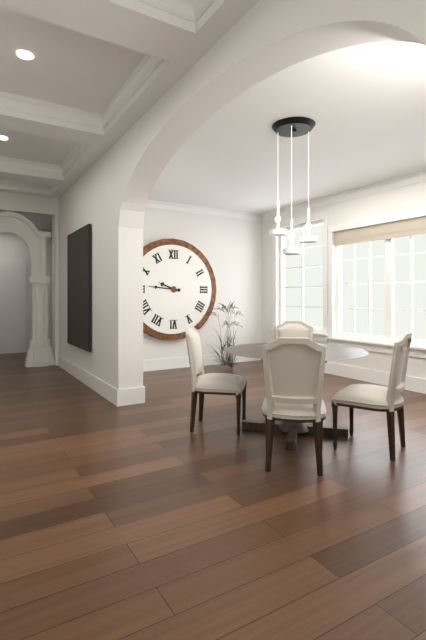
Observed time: 9h46
